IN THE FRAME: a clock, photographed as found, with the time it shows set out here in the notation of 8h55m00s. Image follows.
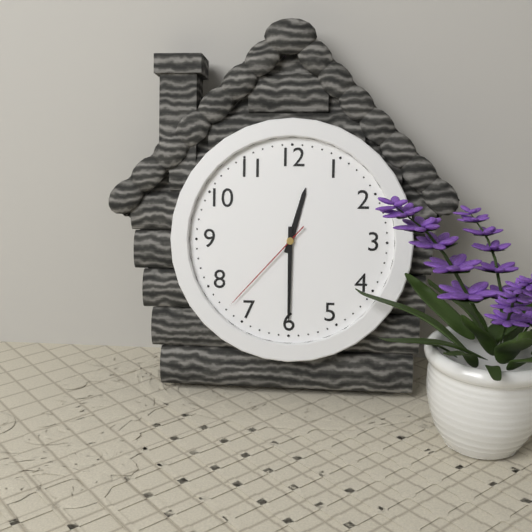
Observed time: 12h30m37s
